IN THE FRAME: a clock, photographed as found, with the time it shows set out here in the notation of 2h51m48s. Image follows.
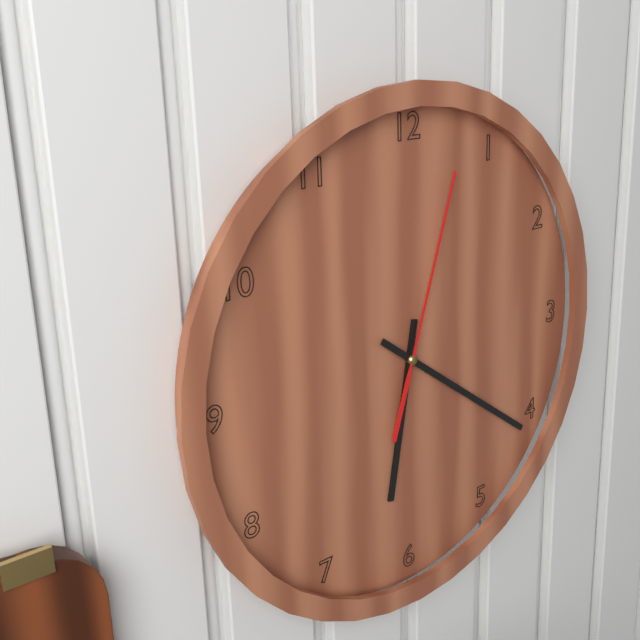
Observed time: 6h21m03s
